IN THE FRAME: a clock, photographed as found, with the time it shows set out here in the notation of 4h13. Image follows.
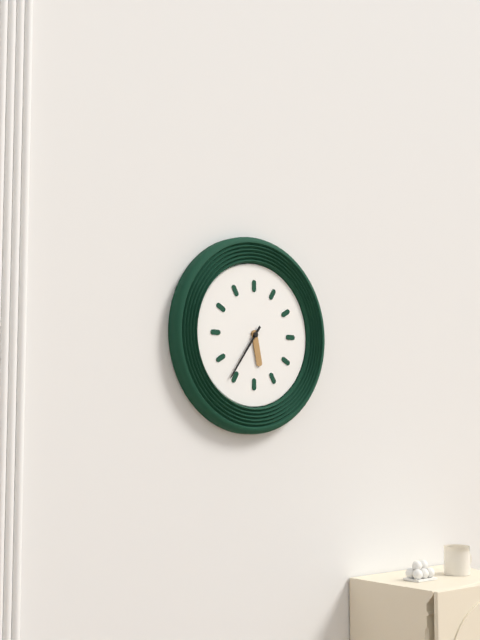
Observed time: 5h36
